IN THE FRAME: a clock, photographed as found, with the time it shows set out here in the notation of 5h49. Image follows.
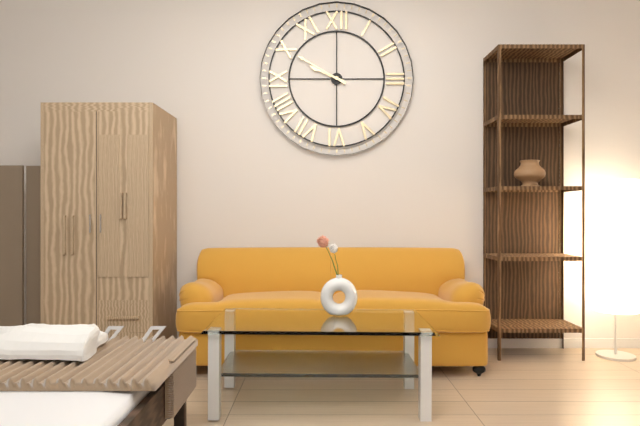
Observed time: 9h50
